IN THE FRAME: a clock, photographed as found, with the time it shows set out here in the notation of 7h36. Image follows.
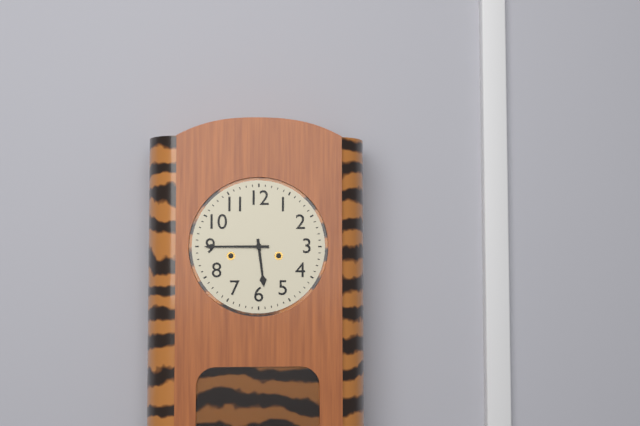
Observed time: 5h45
